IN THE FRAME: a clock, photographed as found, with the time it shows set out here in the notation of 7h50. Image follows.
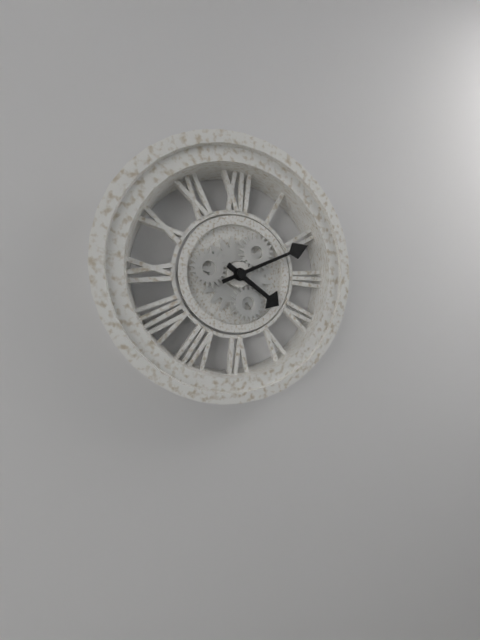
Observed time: 4h11
